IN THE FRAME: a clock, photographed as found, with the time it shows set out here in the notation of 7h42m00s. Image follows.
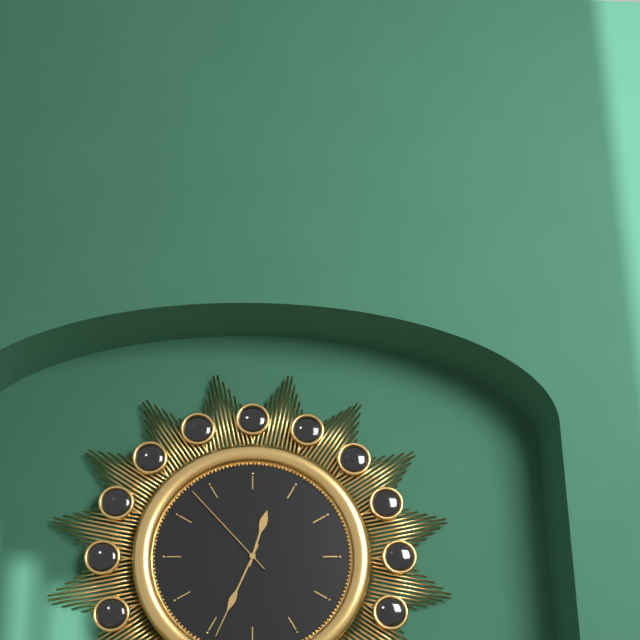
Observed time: 12h34m53s
